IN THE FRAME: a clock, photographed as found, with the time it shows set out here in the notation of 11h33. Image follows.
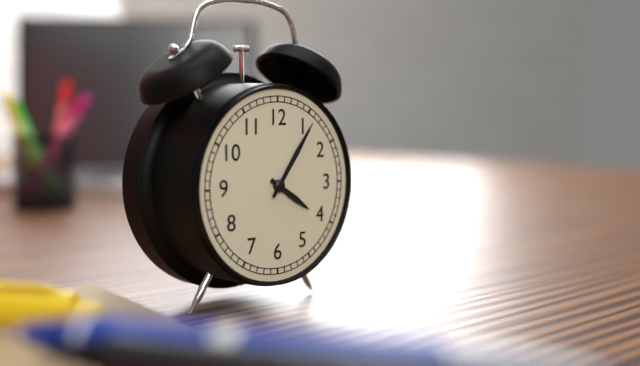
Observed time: 4h06
